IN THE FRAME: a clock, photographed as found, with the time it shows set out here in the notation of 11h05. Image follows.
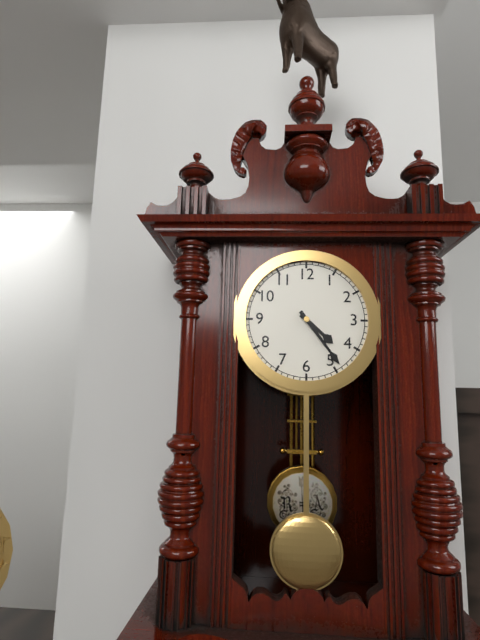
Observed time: 4h24
